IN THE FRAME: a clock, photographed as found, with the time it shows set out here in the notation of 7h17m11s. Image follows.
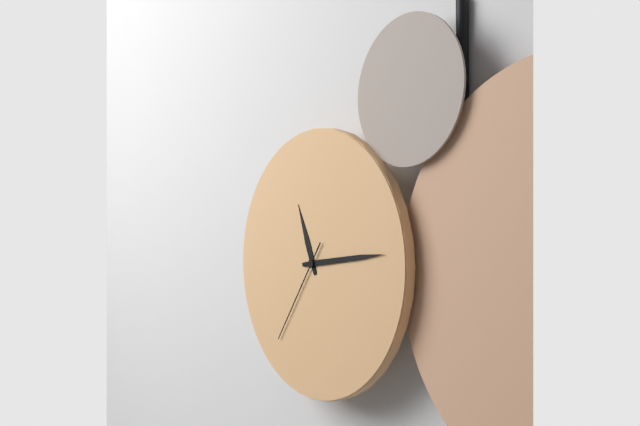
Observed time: 11h14m36s
